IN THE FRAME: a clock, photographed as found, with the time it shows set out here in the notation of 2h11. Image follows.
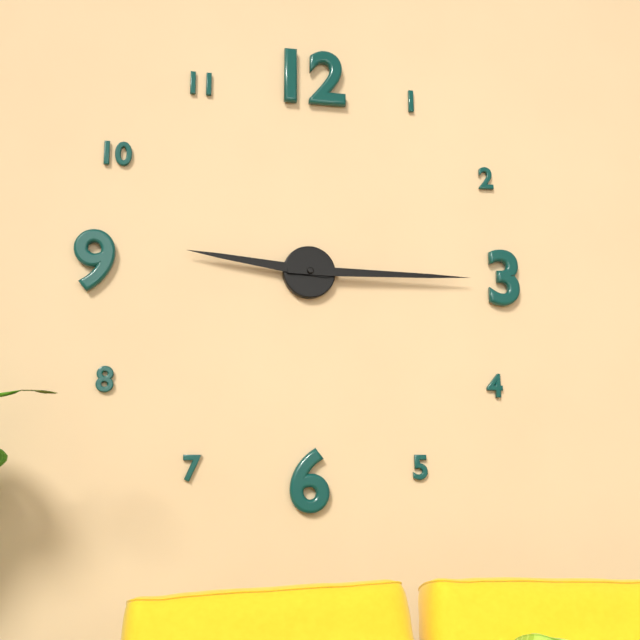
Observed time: 9h15
